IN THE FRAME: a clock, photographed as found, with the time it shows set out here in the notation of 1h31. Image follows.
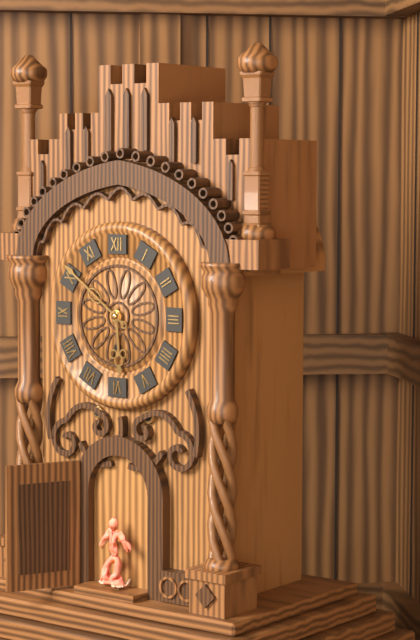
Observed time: 5h51
